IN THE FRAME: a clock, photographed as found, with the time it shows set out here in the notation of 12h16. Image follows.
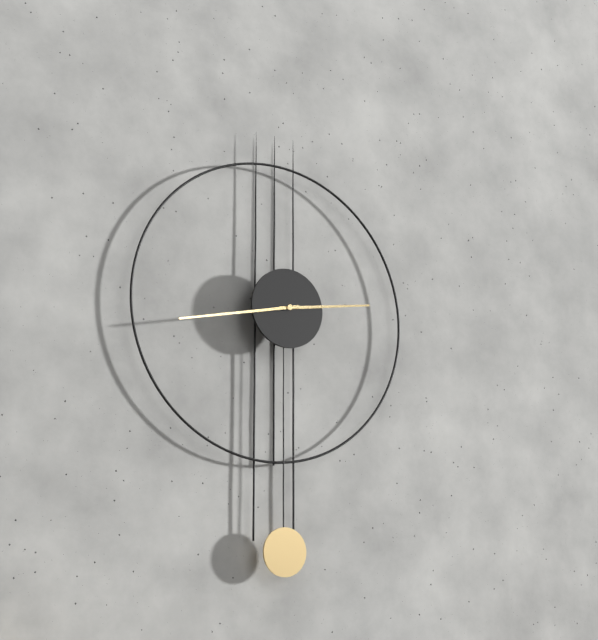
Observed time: 2h43
